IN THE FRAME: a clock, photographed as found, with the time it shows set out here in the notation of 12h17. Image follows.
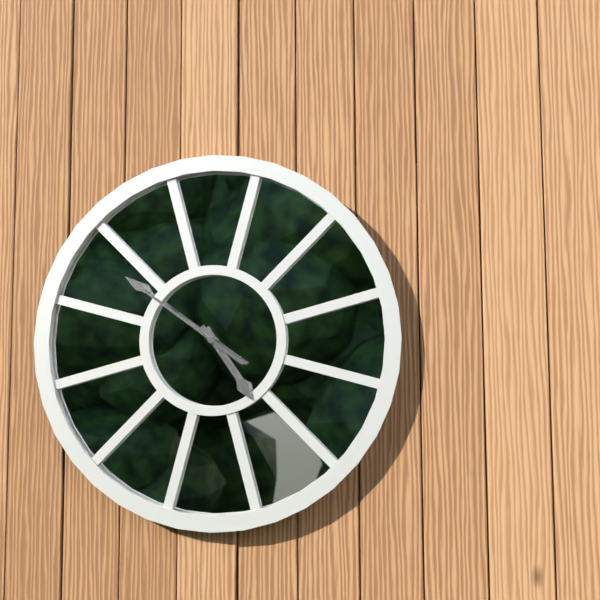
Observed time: 4h51
